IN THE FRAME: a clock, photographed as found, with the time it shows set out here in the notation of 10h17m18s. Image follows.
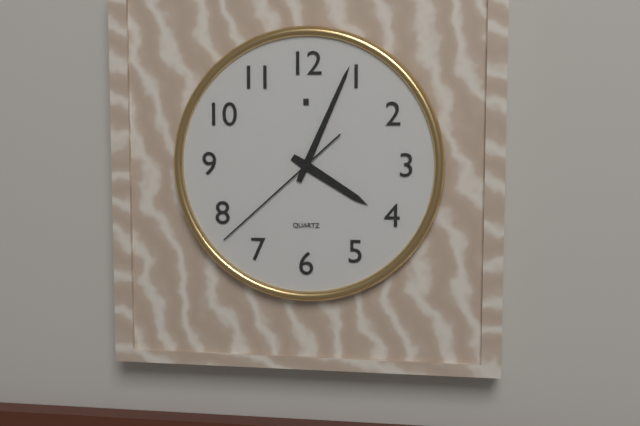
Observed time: 4h04m38s
